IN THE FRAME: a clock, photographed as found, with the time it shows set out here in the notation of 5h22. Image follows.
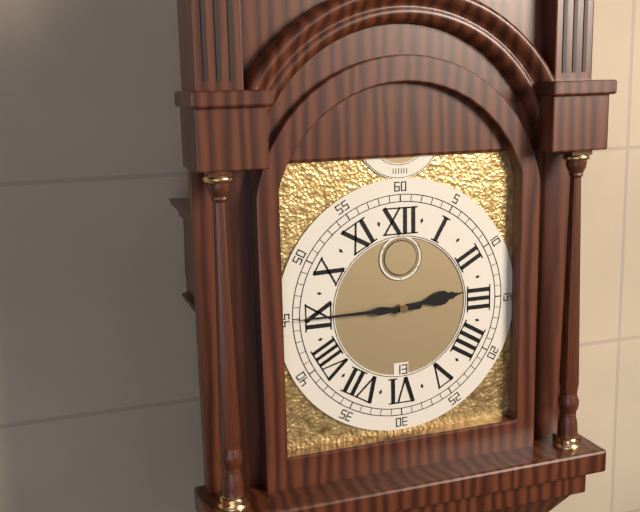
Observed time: 2h45
